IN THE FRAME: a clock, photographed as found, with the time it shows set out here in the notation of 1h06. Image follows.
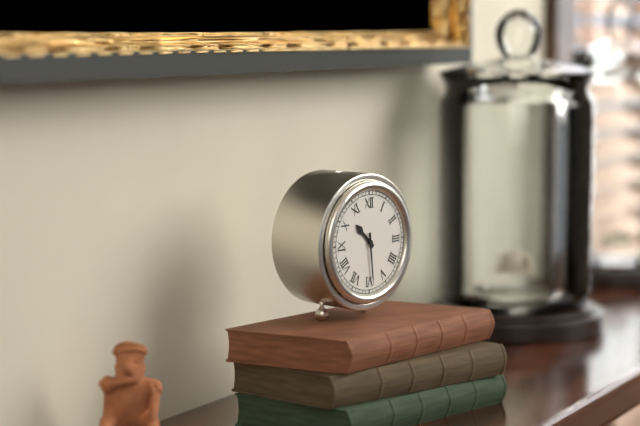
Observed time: 10h29
